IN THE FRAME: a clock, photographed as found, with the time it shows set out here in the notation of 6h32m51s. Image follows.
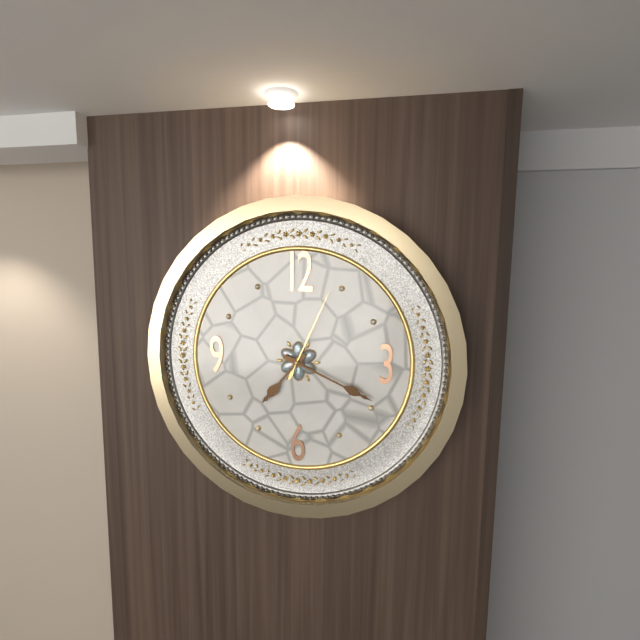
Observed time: 7h19m04s
